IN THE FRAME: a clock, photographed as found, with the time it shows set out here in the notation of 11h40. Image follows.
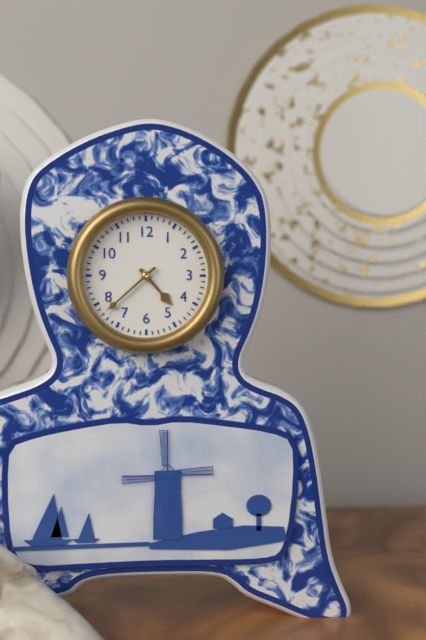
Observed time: 4h38
